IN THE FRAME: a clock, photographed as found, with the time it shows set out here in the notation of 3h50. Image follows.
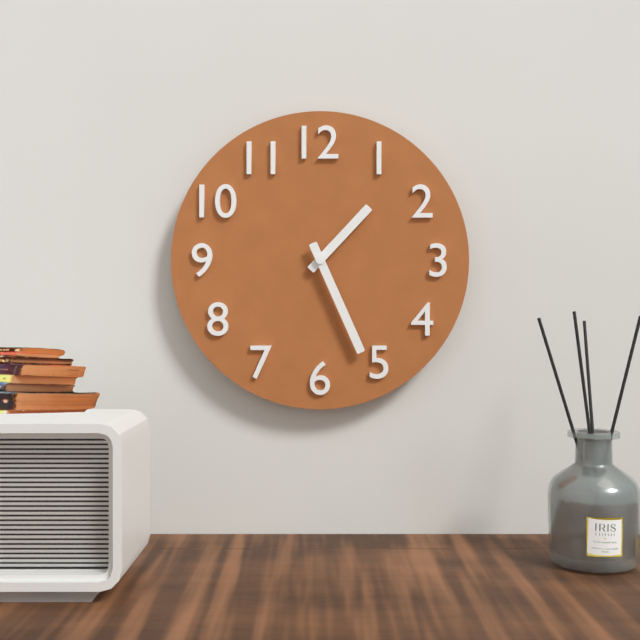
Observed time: 1h26
